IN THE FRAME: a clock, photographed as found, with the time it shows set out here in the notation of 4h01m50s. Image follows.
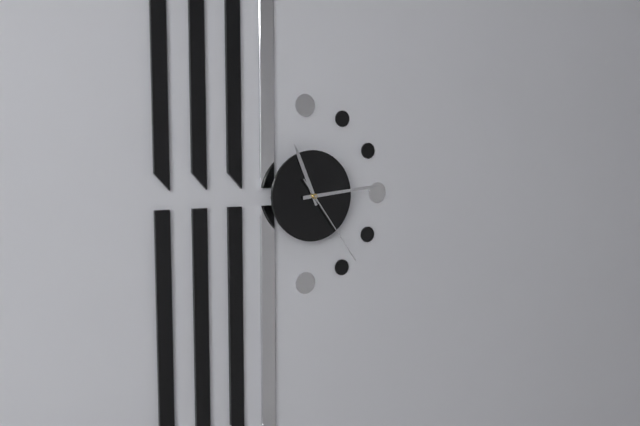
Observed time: 11h14m24s
